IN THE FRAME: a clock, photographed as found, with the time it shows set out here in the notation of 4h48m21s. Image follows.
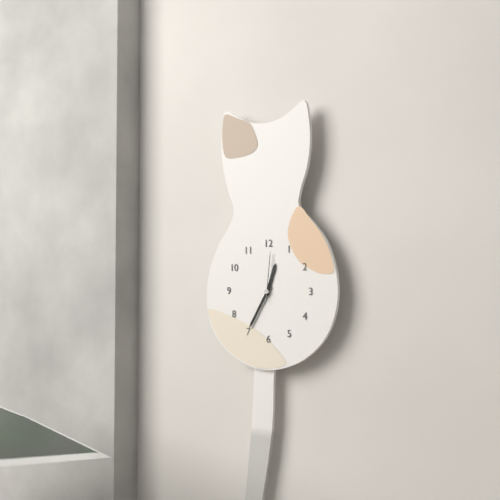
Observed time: 12h35m01s
